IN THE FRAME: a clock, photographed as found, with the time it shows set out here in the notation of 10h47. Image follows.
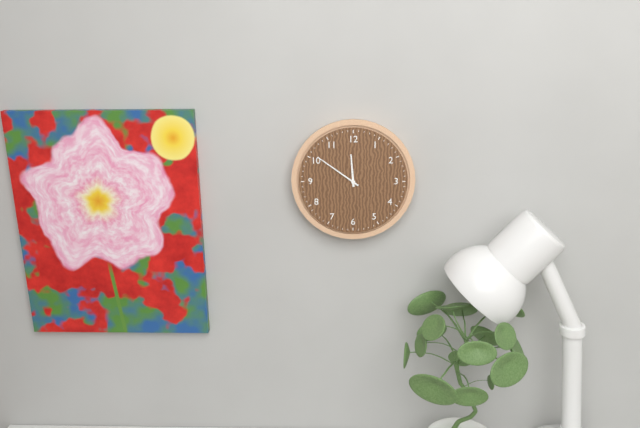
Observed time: 11h51
